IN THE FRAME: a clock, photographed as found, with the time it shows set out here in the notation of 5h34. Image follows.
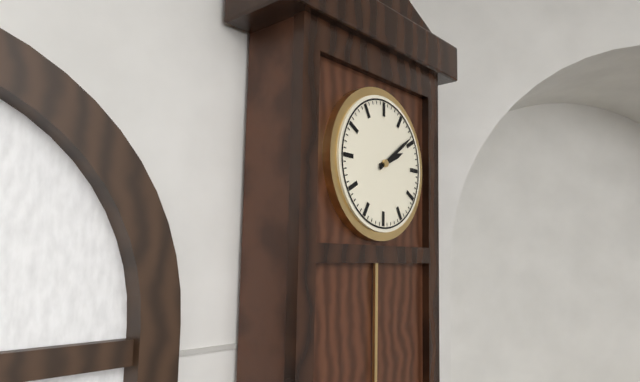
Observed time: 2h09
